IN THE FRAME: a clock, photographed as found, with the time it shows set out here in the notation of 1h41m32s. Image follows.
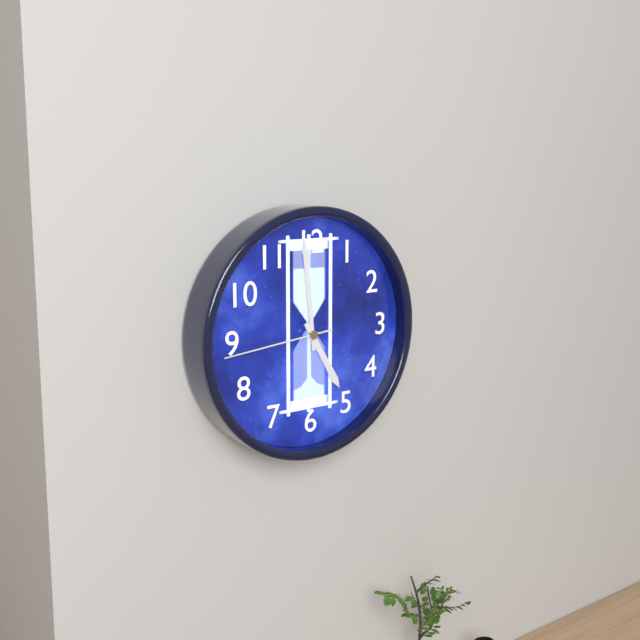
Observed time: 4h59m44s
